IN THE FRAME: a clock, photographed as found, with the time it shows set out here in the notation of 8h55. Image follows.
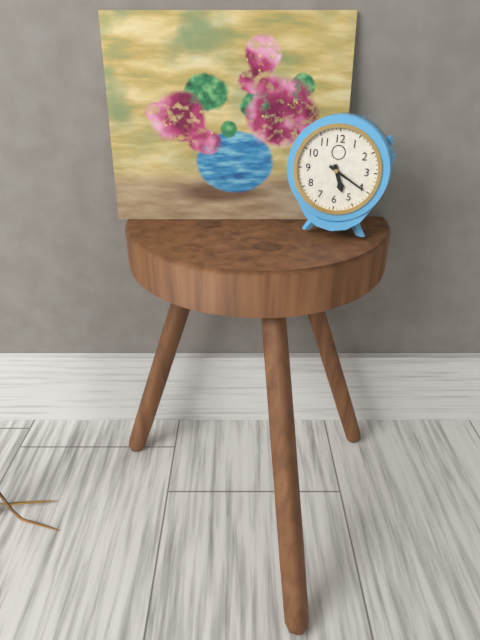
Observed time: 5h20
